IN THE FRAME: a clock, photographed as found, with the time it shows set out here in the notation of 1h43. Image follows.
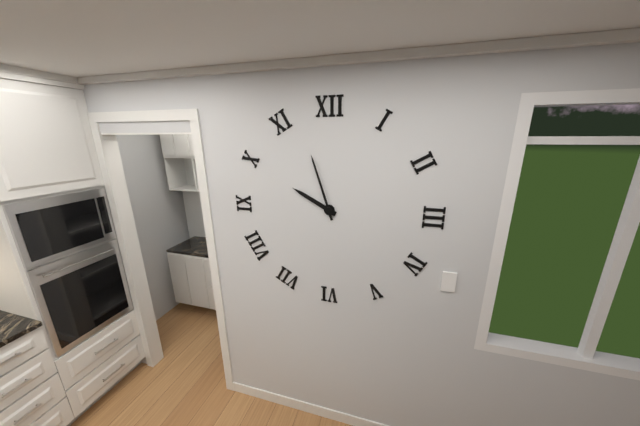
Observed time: 9h57
